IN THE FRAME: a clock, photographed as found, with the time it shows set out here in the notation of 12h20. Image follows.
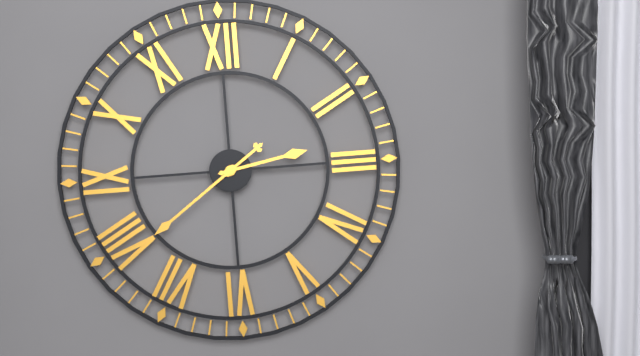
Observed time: 2h39
